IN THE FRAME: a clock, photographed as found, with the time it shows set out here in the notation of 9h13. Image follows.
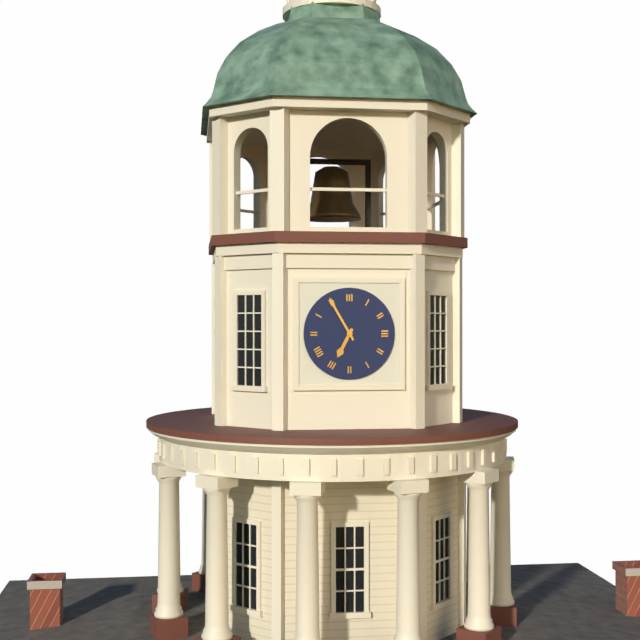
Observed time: 6h55
